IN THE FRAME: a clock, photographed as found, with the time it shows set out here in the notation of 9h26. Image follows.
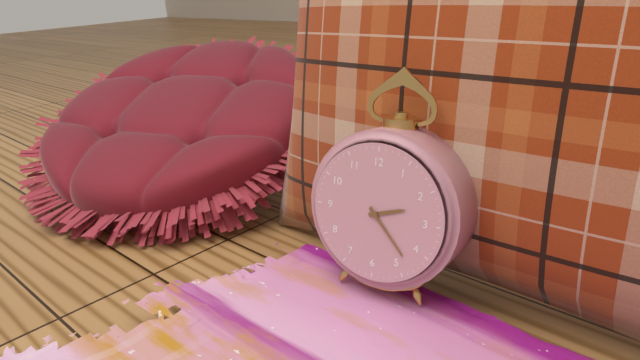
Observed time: 2h23
